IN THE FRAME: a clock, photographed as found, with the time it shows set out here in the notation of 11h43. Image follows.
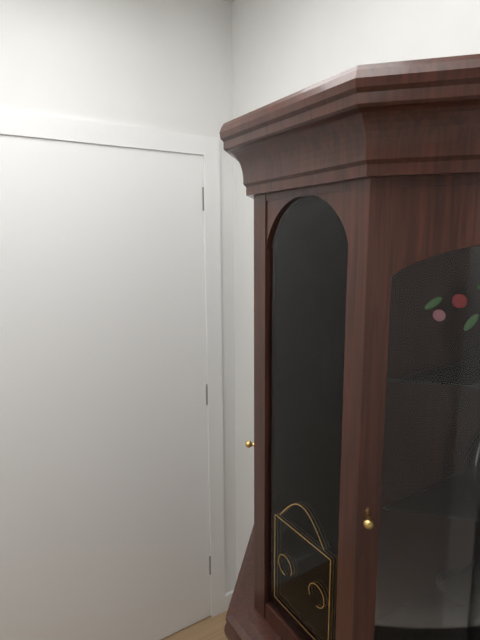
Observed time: 12h18
